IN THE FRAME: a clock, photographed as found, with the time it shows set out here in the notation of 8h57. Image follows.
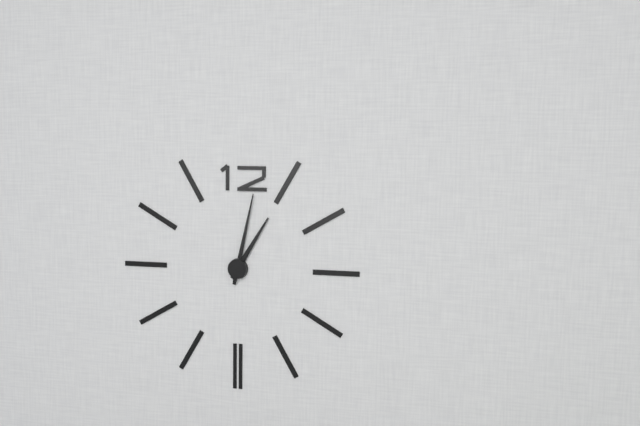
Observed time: 1h02
